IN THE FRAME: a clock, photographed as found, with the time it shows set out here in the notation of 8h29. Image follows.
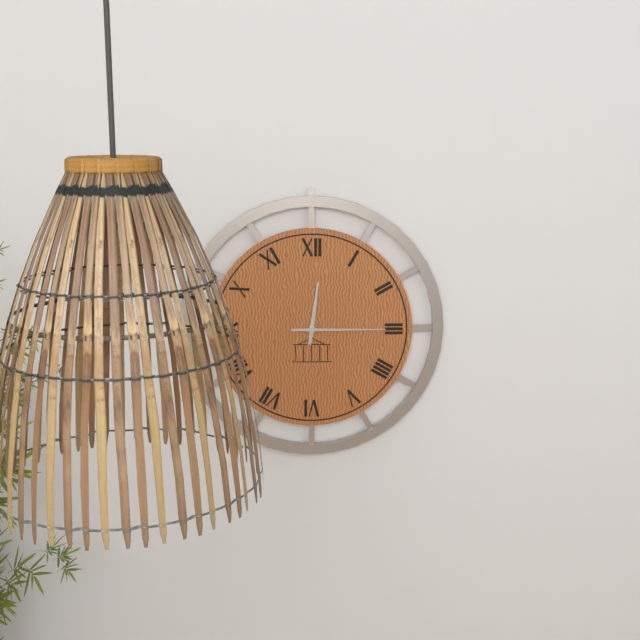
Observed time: 12h15
